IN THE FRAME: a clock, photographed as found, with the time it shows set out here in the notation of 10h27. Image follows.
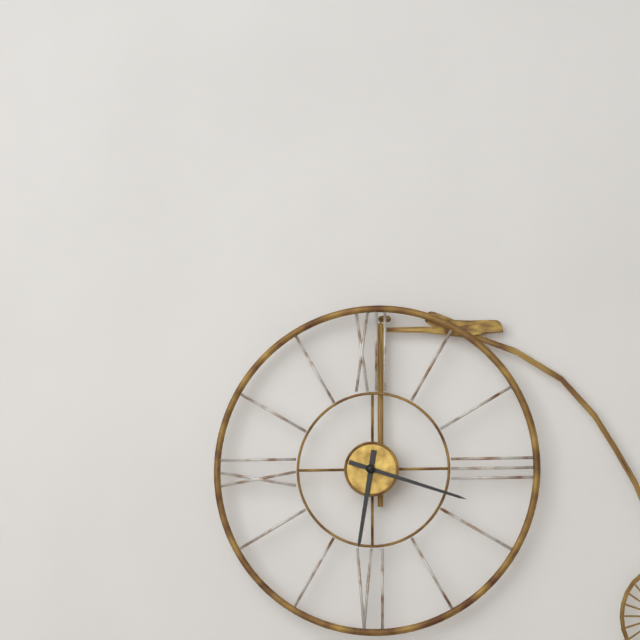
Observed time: 6h18
